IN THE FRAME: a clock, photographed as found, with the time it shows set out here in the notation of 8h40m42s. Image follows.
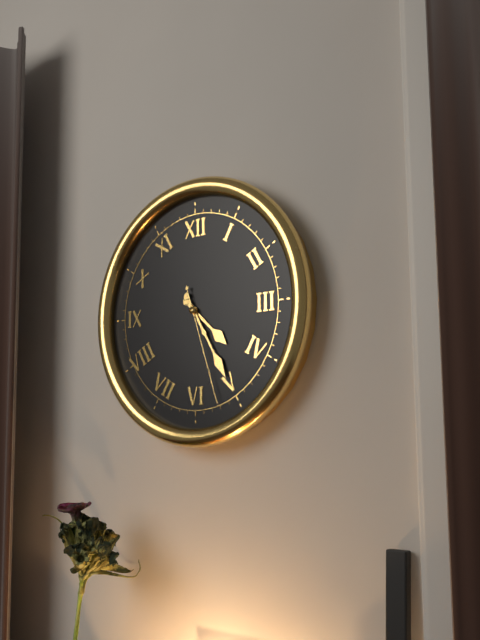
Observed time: 4h25m27s
